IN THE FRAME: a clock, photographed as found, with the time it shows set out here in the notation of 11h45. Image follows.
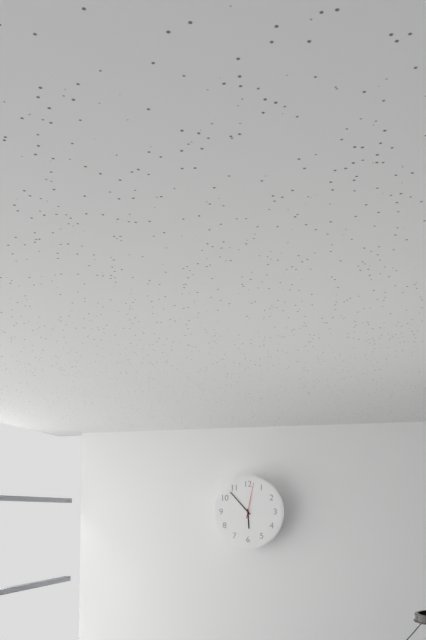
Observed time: 5h53
